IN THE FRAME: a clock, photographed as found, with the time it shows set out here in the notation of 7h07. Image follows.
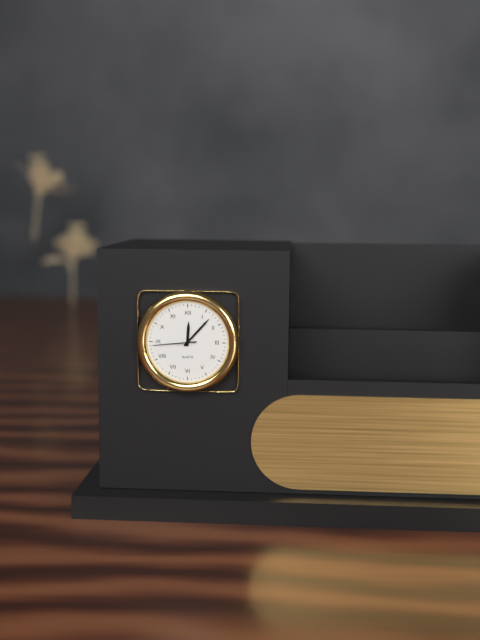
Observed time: 12h07
